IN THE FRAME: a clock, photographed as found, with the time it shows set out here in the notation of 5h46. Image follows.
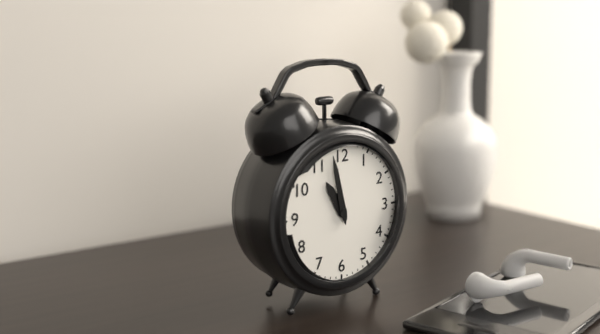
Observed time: 10h58
